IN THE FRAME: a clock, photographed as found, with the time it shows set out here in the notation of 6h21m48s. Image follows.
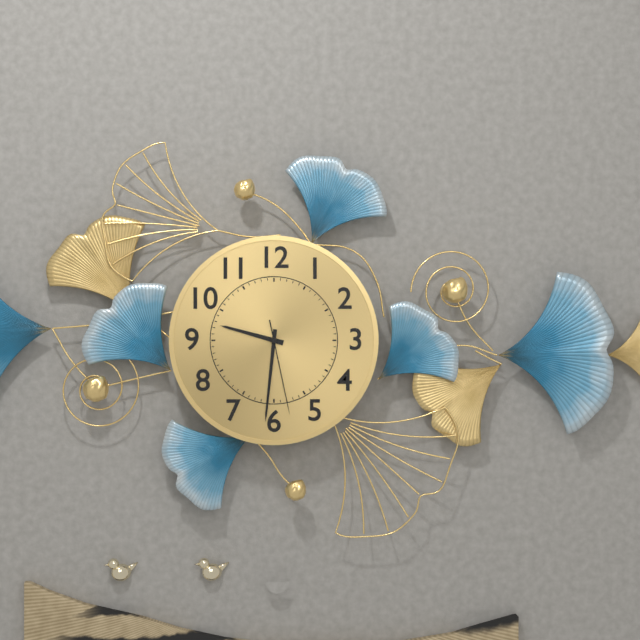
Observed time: 9h31m28s
